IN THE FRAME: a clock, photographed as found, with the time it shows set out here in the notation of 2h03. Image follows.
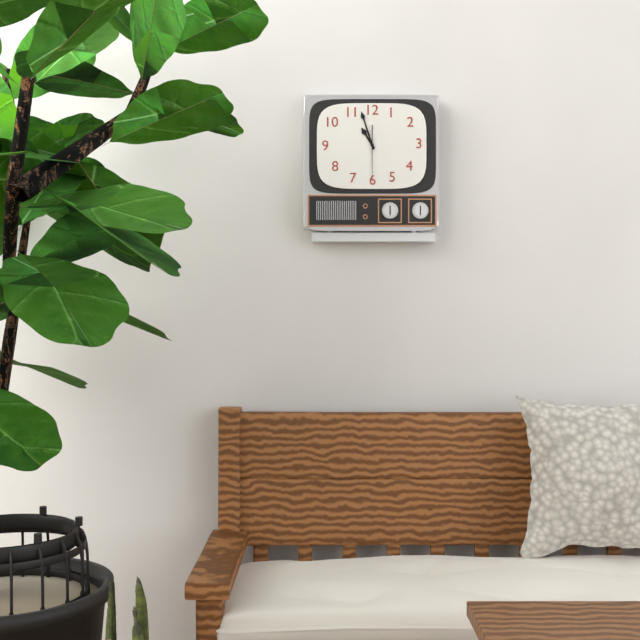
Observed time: 10h57
